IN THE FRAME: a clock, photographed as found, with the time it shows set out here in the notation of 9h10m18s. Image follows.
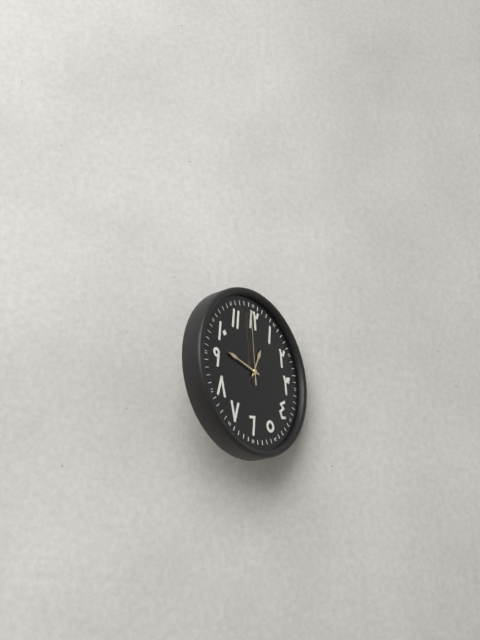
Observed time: 12h47m59s
